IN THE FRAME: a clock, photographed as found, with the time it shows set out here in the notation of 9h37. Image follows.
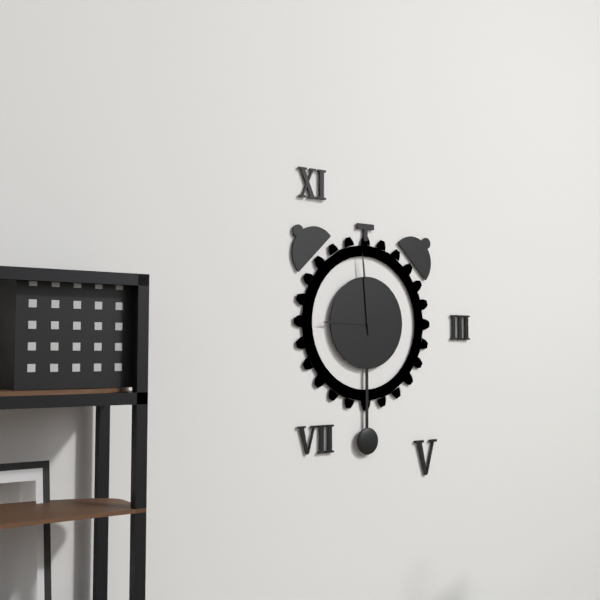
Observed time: 8h59
